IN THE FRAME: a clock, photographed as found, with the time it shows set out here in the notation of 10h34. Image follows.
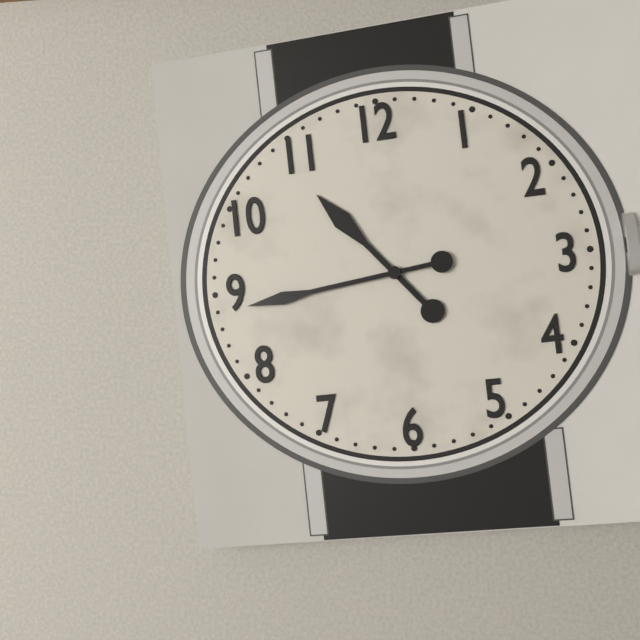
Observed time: 10h44
